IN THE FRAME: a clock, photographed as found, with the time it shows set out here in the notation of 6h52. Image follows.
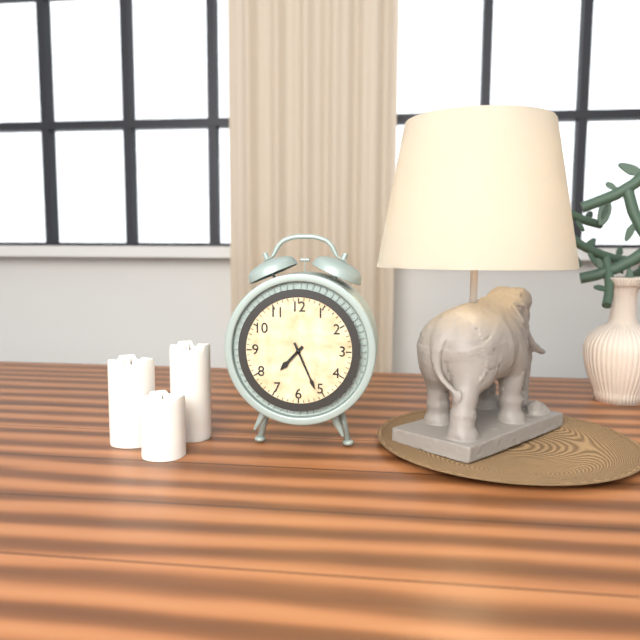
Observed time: 7h26
